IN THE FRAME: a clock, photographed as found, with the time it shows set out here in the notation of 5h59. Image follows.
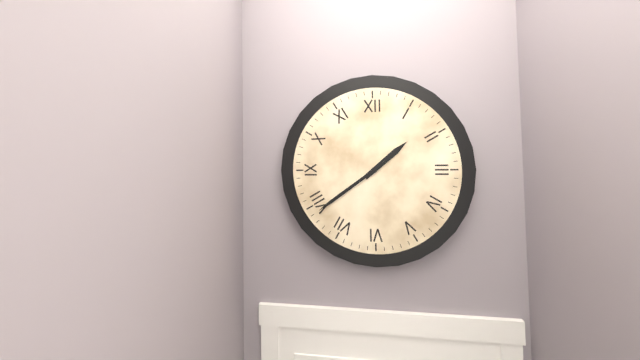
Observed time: 1h39
